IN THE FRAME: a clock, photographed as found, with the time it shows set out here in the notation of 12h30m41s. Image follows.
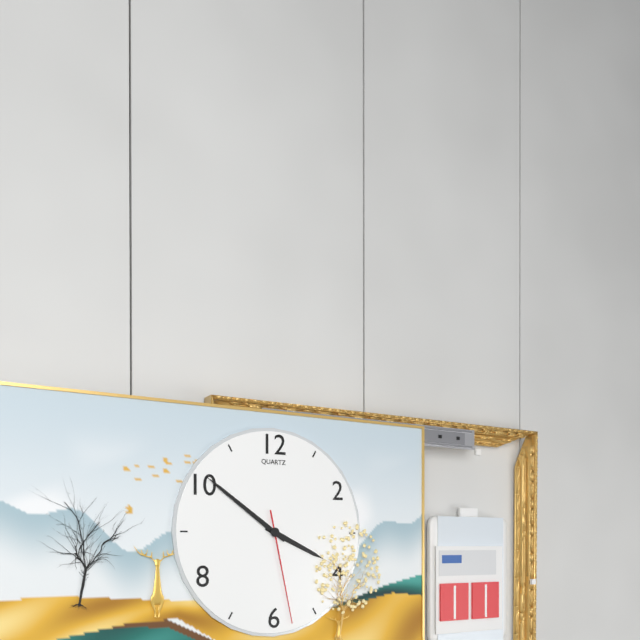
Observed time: 3h51m28s
